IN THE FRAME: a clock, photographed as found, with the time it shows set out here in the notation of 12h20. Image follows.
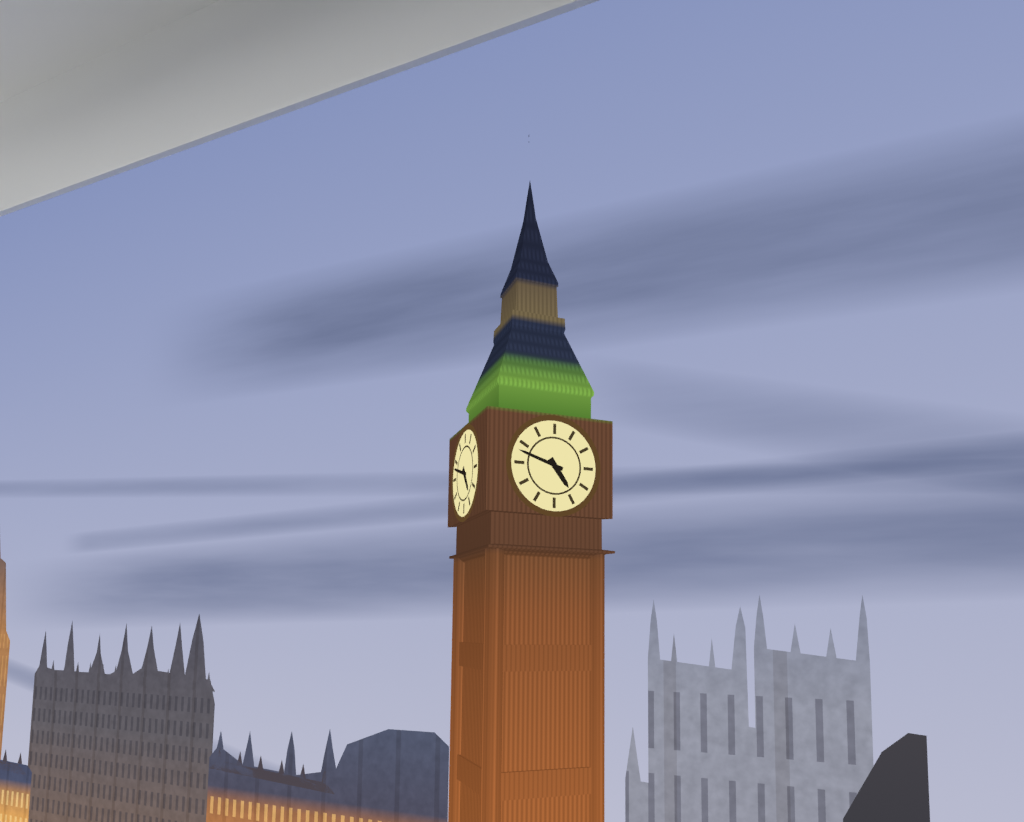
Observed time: 4h48
